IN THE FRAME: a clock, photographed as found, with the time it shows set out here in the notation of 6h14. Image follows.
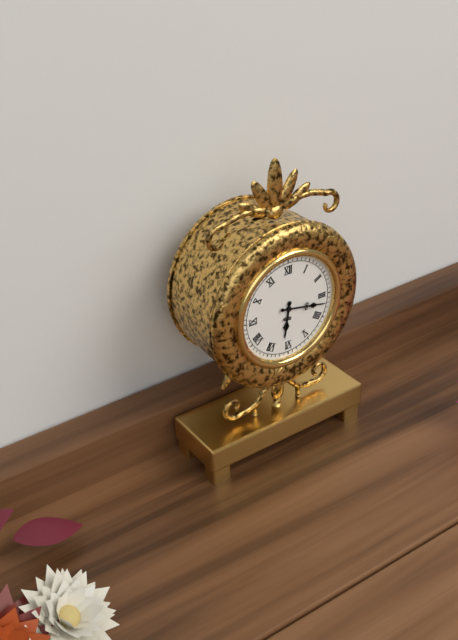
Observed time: 6h17
